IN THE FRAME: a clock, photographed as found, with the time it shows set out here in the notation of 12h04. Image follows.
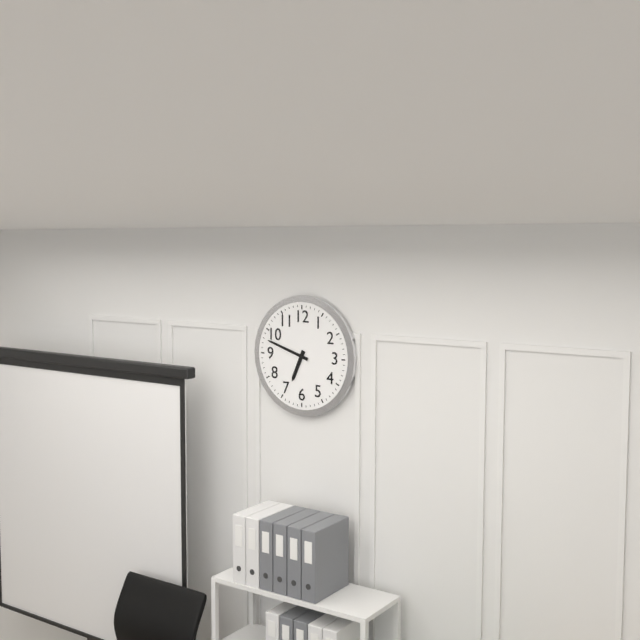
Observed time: 6h48
